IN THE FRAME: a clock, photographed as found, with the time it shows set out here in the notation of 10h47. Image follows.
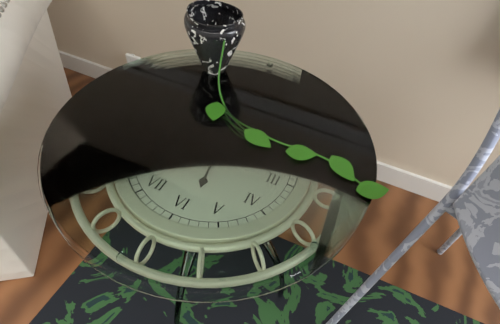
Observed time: 5h41
